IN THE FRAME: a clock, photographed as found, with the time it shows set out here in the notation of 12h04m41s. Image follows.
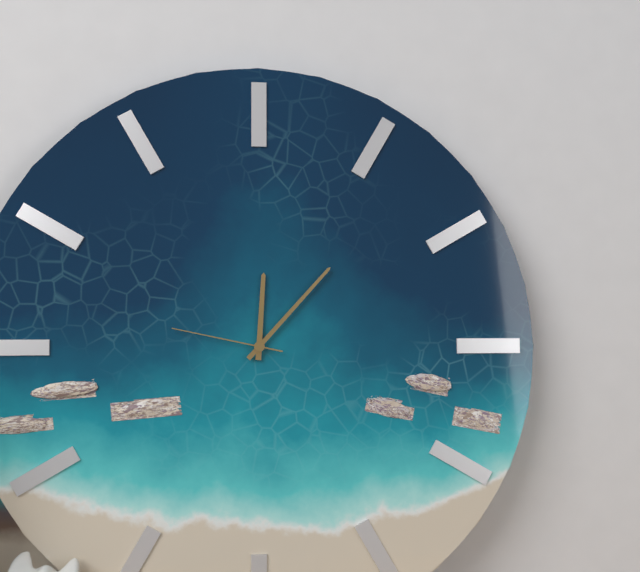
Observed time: 12h07m47s
